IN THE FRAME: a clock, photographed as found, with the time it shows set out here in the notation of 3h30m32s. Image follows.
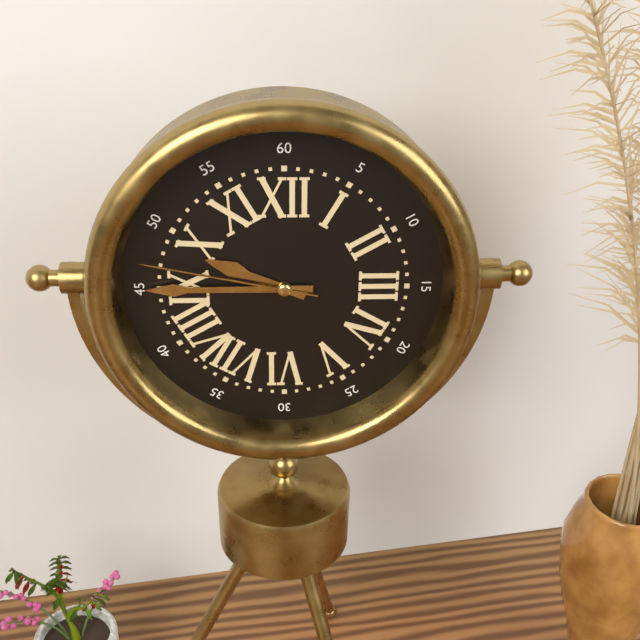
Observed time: 9h45m47s
